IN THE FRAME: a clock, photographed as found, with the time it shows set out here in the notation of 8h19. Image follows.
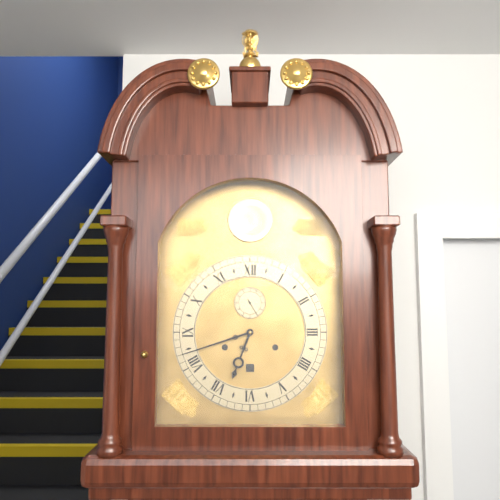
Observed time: 6h42
